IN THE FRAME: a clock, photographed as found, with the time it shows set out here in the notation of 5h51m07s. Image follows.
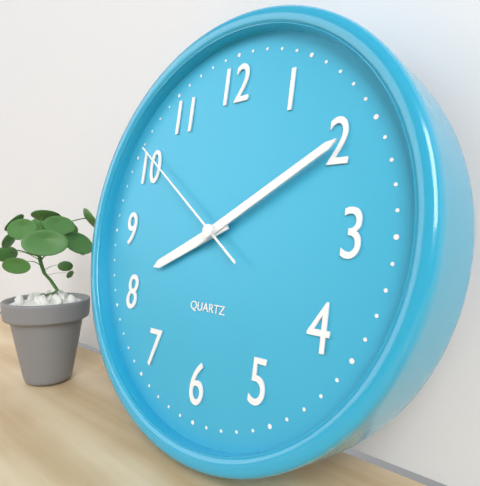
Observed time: 8h10m51s
